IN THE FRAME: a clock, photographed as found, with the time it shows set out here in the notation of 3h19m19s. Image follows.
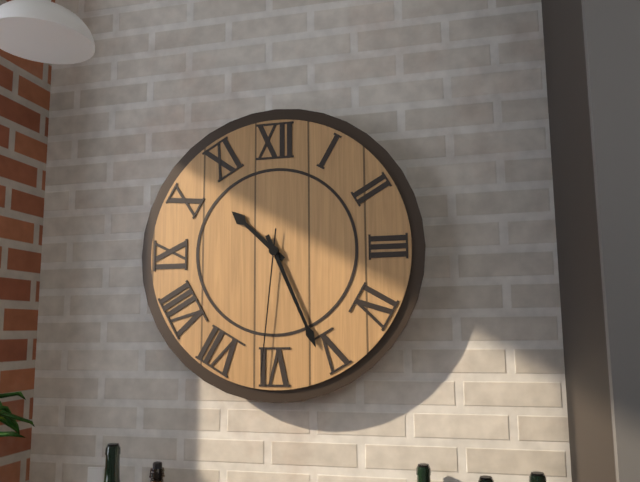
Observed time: 10h26m31s
